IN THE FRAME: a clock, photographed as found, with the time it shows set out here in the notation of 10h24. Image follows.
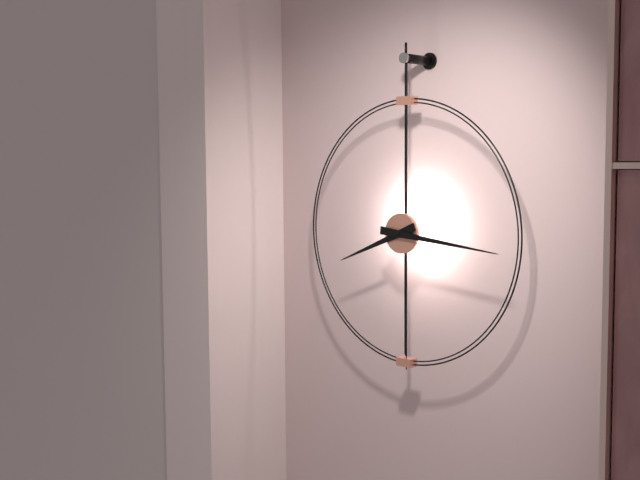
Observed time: 8h16
